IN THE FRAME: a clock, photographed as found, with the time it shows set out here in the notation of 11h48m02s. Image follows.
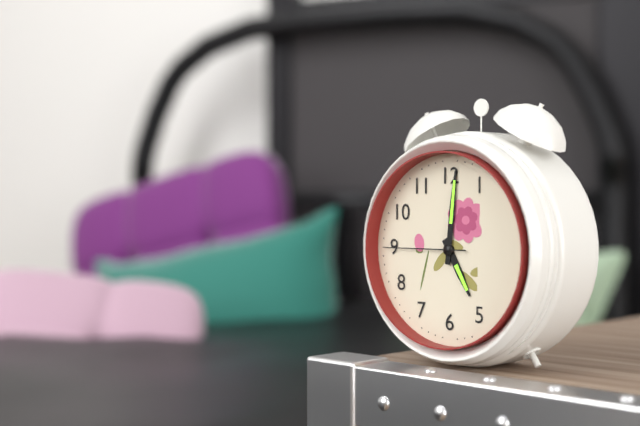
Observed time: 5h01m45s
